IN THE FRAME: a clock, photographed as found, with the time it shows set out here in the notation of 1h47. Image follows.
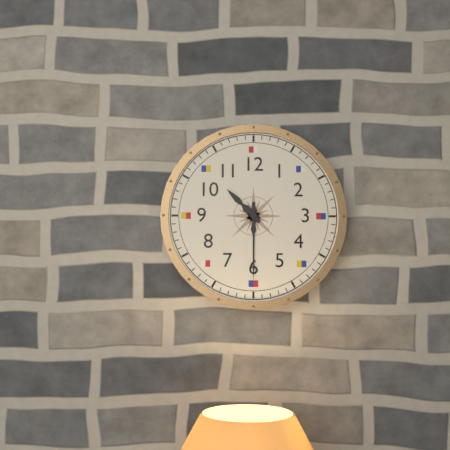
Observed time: 10h30
